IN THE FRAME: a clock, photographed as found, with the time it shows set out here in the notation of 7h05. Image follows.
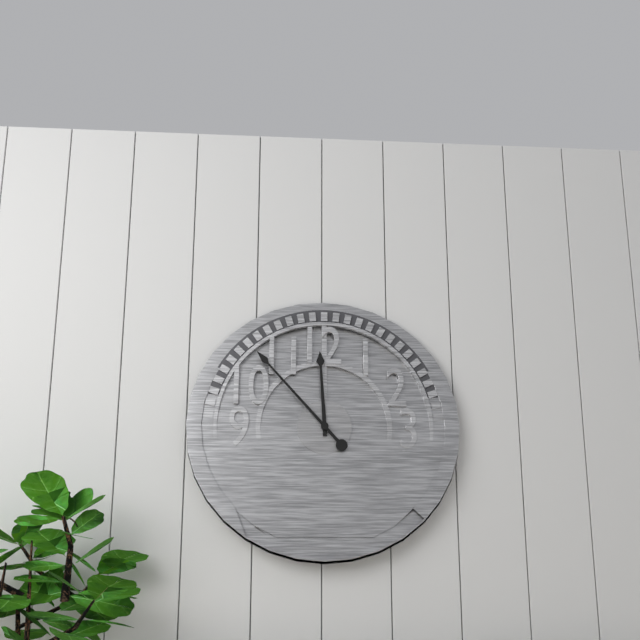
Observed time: 11h53
